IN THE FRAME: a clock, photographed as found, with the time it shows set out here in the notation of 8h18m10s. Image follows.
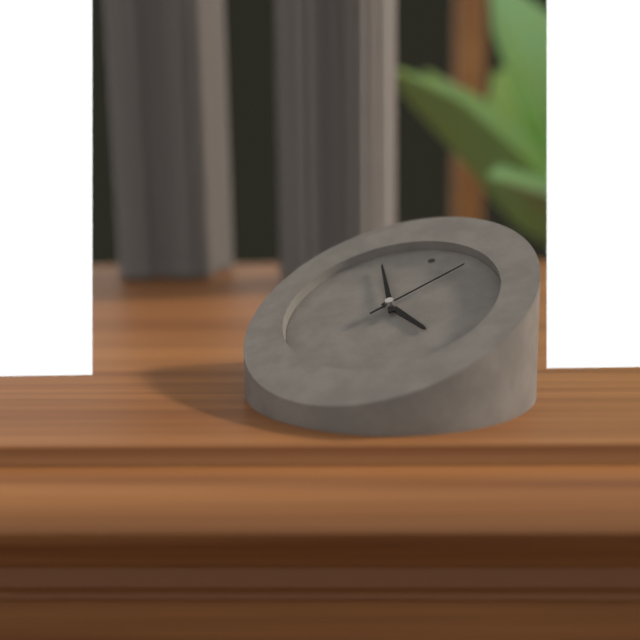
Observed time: 3h54m05s
